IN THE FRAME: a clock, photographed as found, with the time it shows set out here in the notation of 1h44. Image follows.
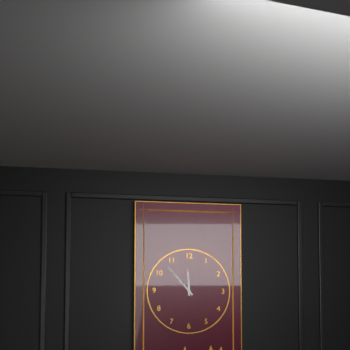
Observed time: 11h53
